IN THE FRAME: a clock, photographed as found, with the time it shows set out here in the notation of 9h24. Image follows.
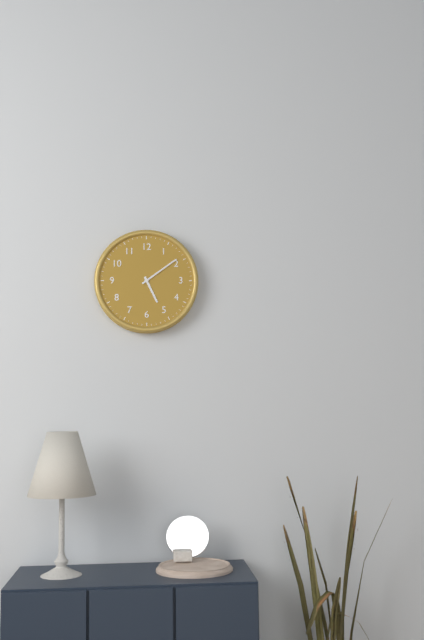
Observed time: 5h09
